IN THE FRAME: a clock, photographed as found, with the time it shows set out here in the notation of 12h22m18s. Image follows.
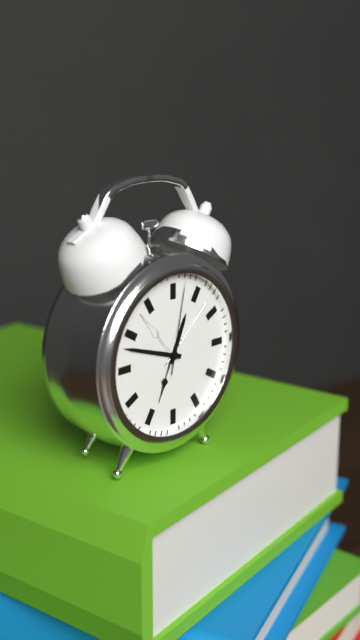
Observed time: 12h48m02s
